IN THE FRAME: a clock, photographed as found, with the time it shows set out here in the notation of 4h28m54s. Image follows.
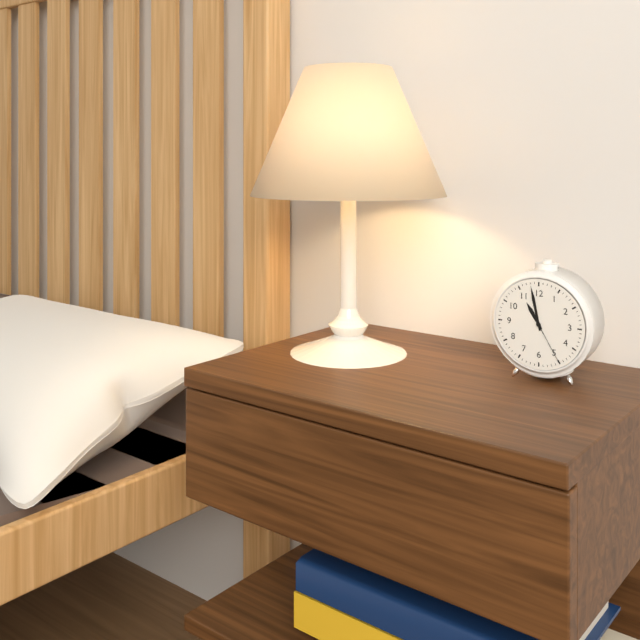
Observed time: 10h58m25s
